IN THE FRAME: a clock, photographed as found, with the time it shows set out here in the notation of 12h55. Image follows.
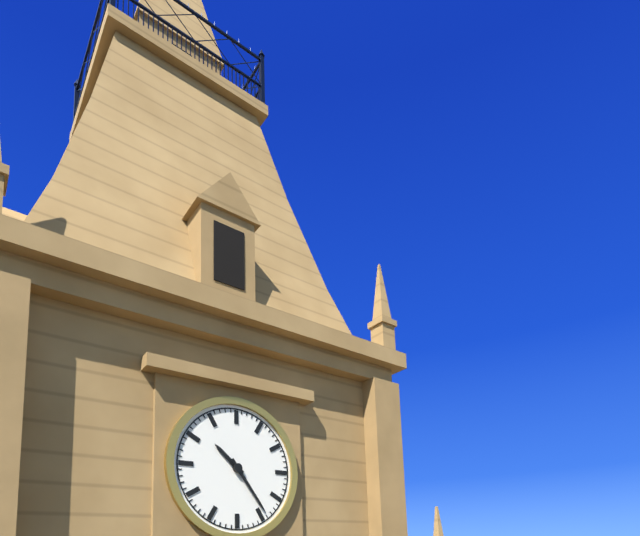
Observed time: 10h24
